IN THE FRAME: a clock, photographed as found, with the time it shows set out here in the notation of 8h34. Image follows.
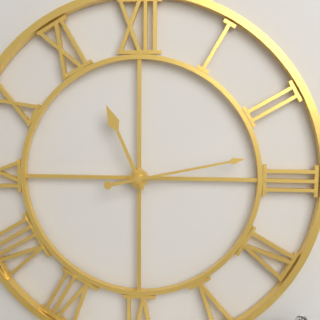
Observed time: 11h13
